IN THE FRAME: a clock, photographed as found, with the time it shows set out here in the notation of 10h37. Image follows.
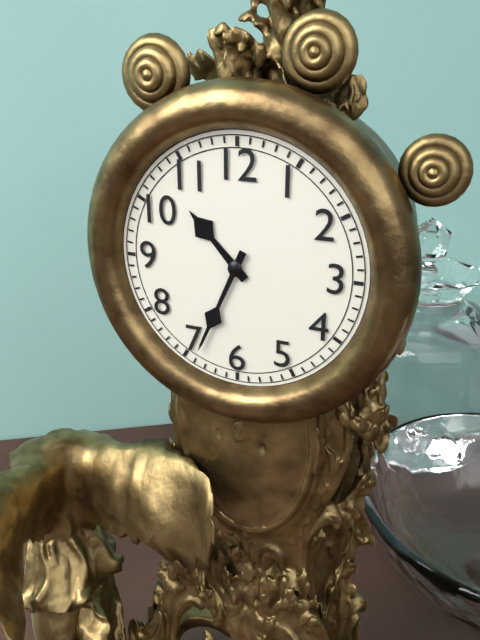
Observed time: 10h34
